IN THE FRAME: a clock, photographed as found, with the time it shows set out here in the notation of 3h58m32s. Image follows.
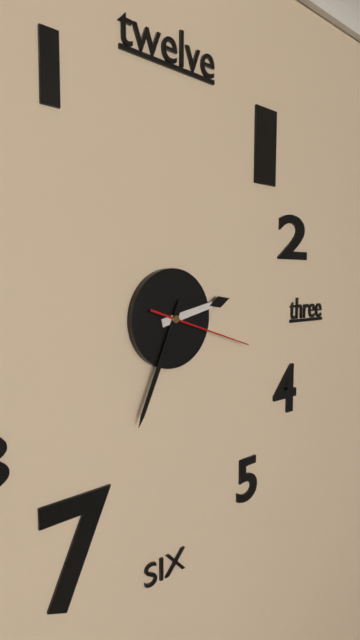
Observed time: 2h34m18s
